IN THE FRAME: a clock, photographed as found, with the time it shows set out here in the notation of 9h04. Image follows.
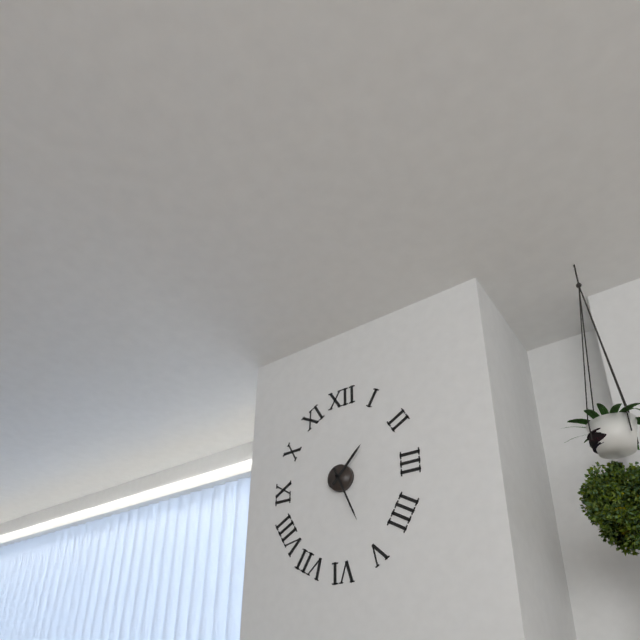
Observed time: 1h26
